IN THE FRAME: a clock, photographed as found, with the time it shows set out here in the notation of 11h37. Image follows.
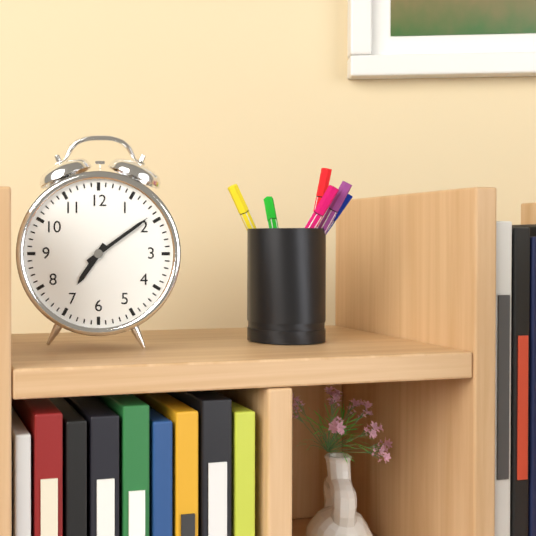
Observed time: 7h09
